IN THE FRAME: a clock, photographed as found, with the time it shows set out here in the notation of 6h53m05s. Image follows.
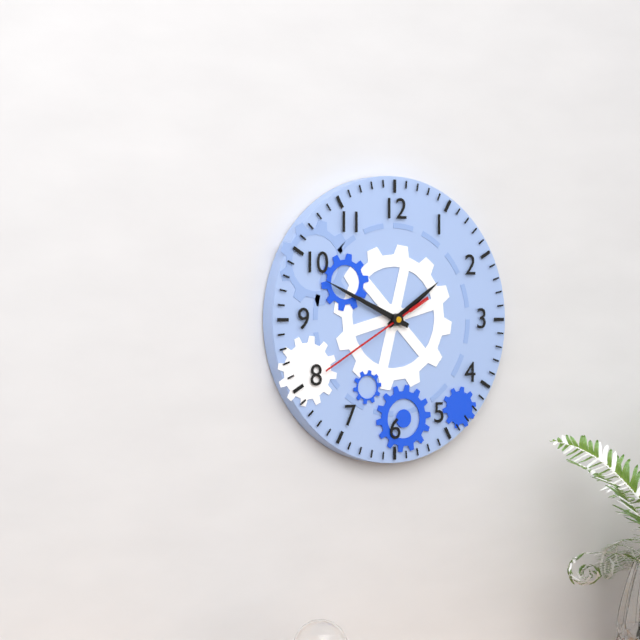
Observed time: 1h49m40s
